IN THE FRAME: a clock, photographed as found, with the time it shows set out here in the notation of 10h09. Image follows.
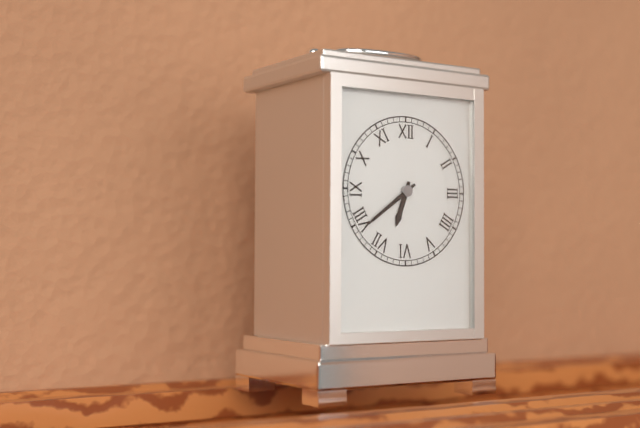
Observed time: 6h39
